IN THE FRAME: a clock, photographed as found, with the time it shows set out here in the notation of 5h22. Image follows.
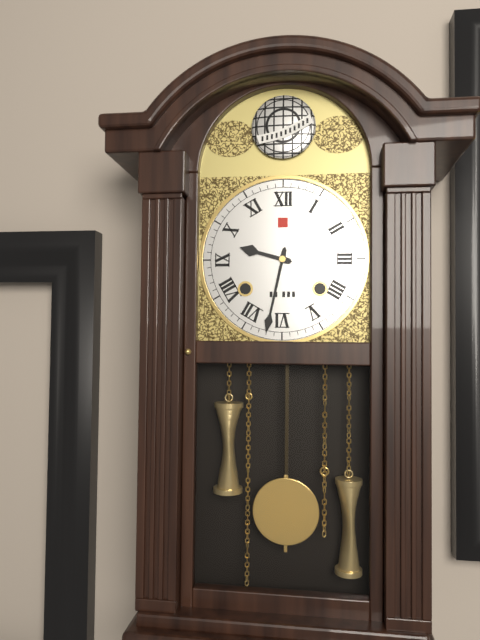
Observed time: 9h32
